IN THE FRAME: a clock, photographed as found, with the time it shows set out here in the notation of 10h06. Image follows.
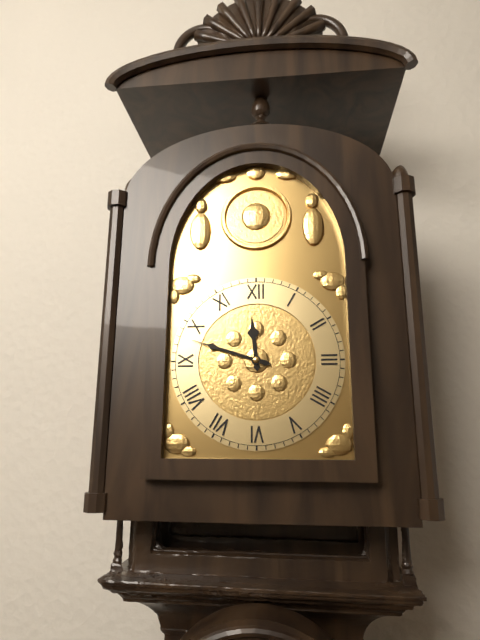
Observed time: 11h48
